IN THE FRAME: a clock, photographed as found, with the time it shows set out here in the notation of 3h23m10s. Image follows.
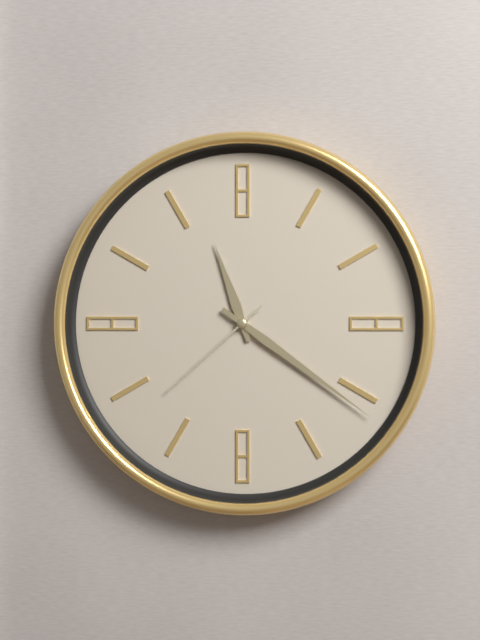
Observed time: 11h21m38s
